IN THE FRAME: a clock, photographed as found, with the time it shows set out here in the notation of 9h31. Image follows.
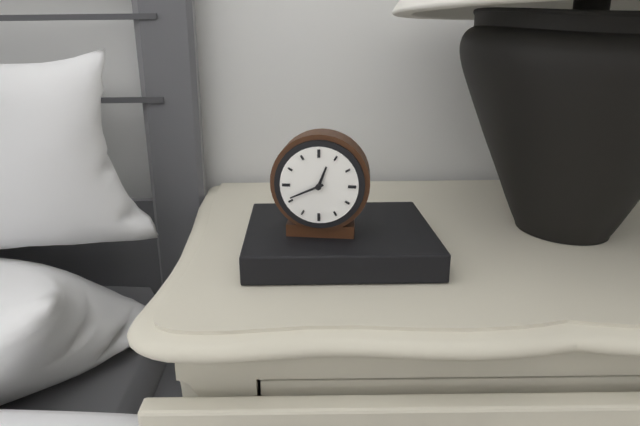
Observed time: 12h41
